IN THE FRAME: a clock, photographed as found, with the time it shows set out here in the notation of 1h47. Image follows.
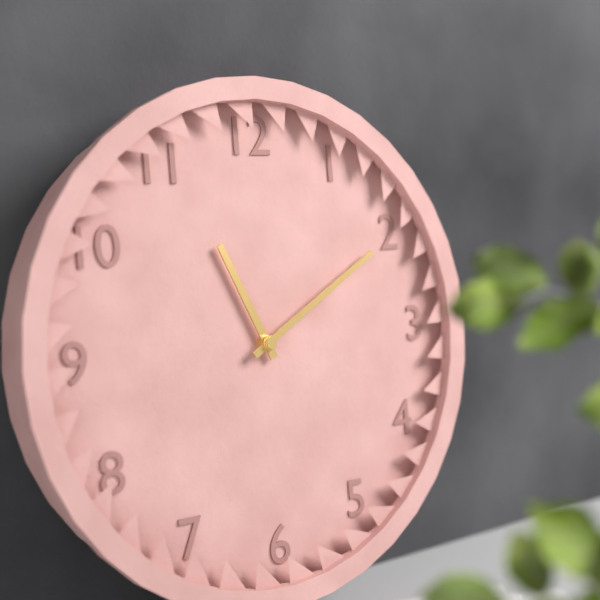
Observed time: 11h10
